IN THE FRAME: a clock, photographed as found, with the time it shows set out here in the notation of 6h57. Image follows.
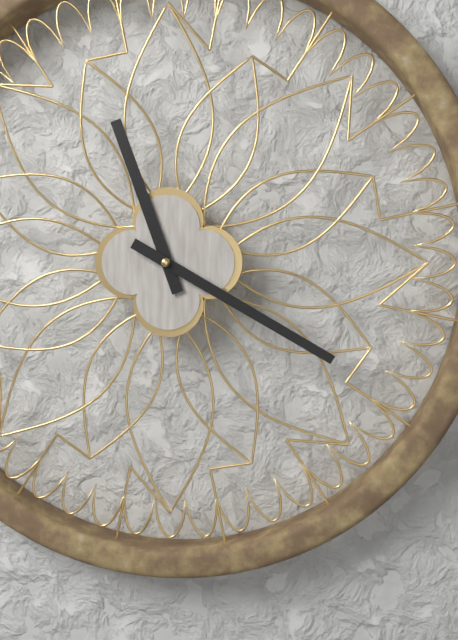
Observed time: 11h20
